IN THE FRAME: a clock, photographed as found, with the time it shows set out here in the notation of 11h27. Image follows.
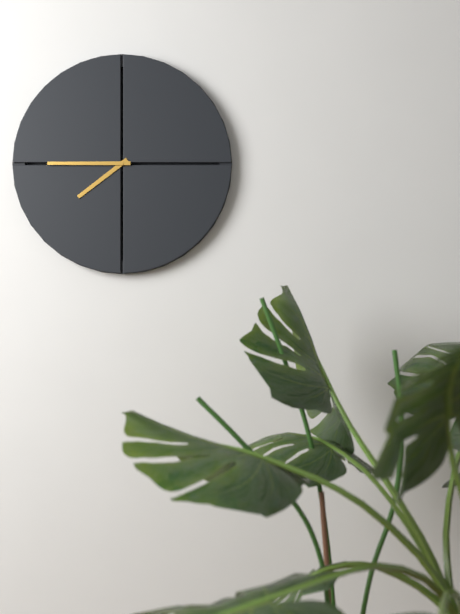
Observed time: 7h45
